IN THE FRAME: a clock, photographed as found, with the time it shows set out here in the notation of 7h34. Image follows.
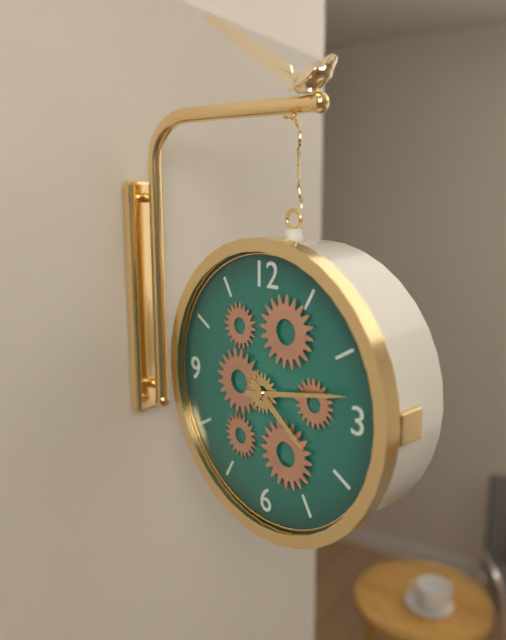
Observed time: 4h13
